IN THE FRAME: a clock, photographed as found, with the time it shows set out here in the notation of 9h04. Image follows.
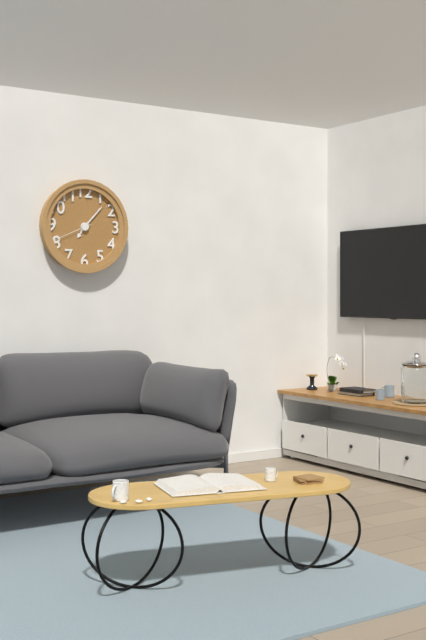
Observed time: 7h07
